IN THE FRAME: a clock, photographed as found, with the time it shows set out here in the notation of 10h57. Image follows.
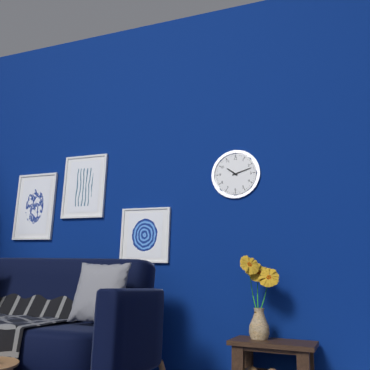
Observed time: 10h12
